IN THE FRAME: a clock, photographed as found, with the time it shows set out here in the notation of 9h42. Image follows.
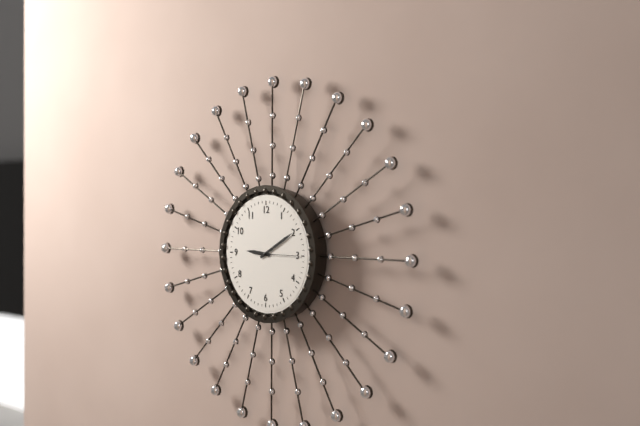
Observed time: 9h10
